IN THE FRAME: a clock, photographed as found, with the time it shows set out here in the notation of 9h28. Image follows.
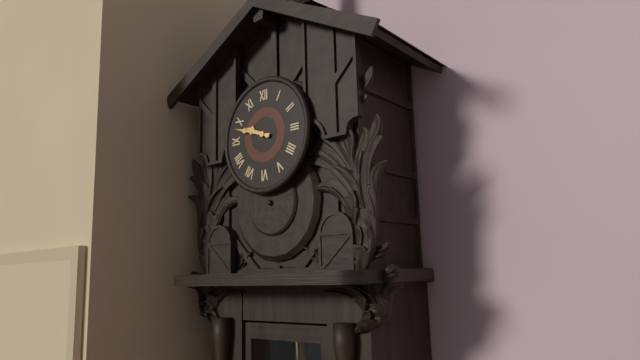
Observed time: 9h48
